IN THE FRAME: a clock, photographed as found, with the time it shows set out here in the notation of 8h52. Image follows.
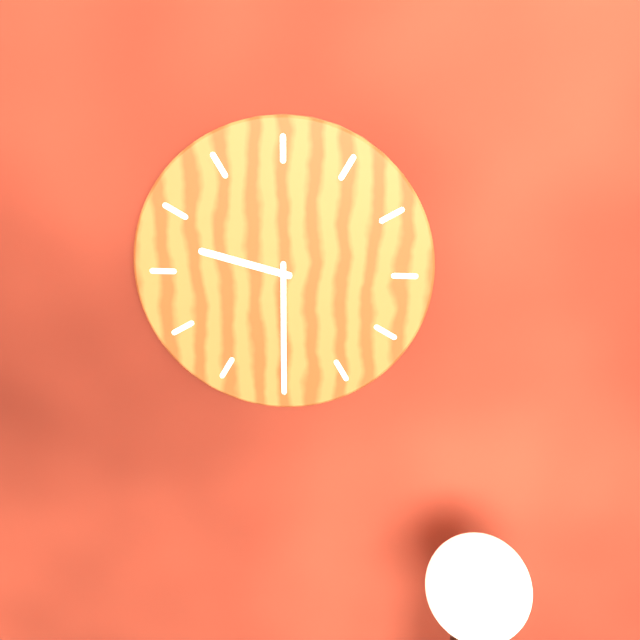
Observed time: 9h30
